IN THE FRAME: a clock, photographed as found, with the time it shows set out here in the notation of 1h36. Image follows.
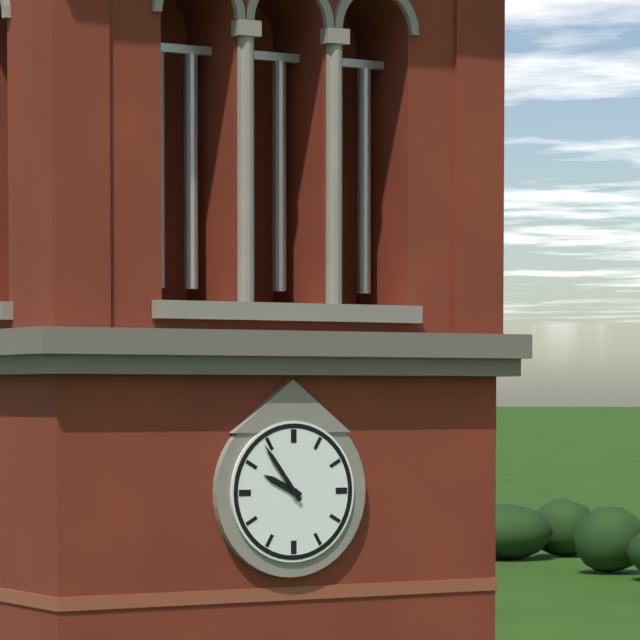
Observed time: 9h54
